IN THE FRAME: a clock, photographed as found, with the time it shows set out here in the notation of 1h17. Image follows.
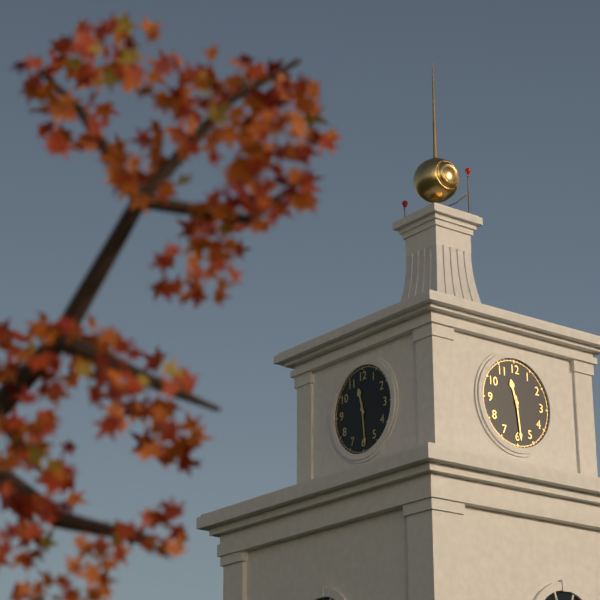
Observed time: 11h29
